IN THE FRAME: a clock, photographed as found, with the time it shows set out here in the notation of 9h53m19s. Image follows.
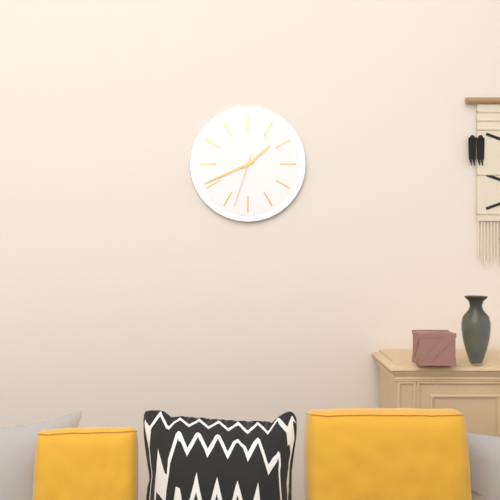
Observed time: 1h41m33s
